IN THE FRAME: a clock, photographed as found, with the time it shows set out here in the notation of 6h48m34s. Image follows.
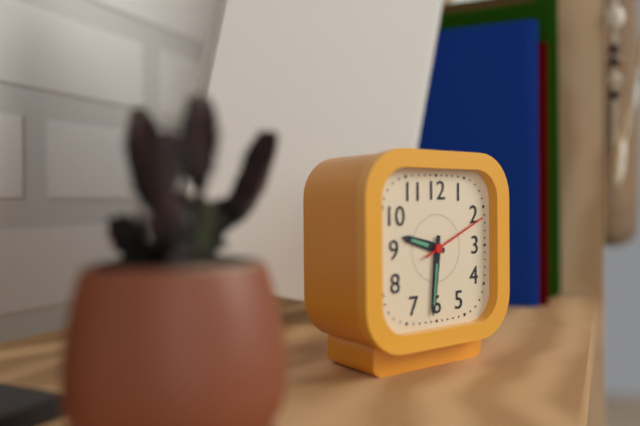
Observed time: 9h31m11s
